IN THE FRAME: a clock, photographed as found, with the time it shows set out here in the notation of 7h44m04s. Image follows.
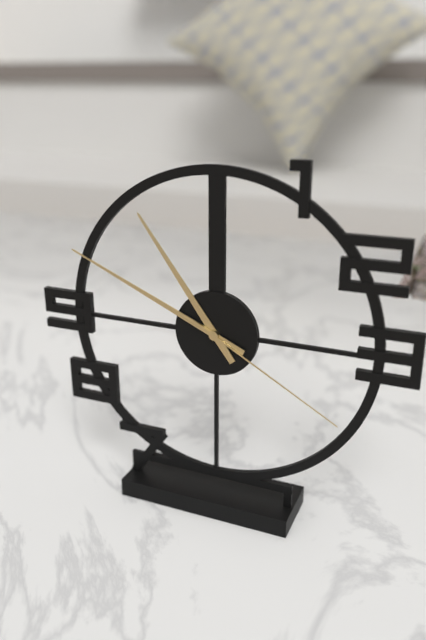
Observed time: 10h49m20s
